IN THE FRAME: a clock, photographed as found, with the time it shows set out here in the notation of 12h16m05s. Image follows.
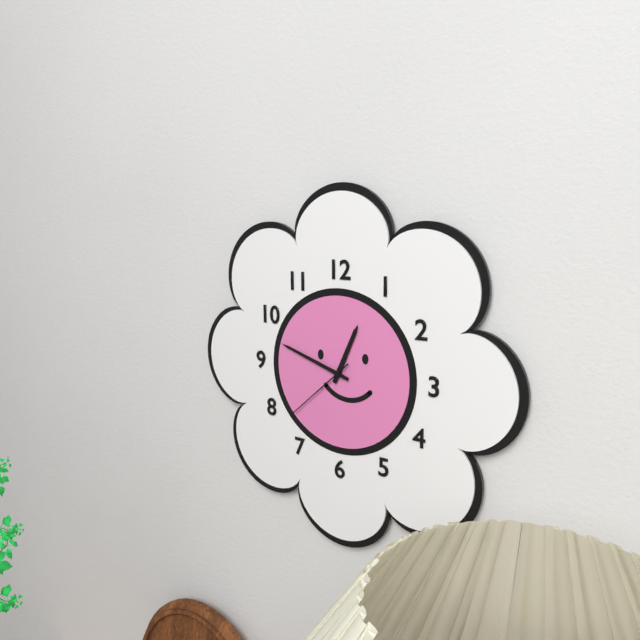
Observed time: 12h48m38s
